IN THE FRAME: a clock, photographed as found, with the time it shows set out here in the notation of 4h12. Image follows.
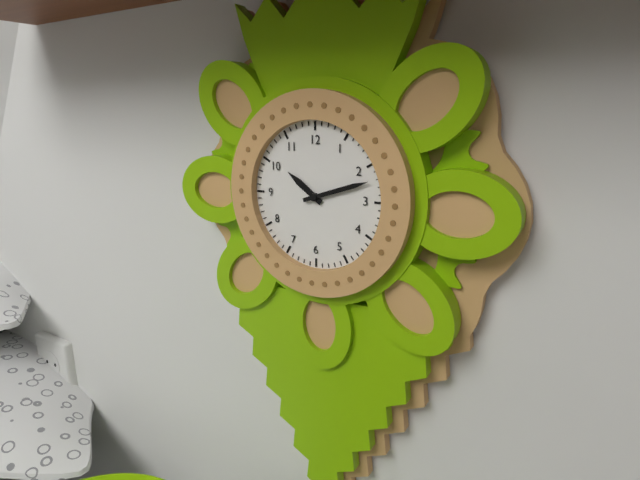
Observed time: 10h12
